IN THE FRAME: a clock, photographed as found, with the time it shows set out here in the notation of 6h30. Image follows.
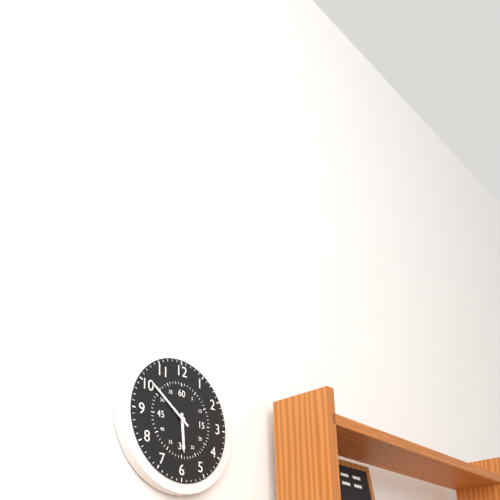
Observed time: 5h51
